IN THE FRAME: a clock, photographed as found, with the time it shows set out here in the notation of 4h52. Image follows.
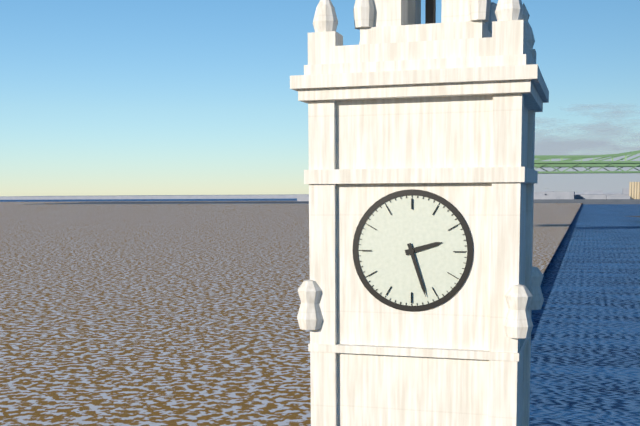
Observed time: 2h27
